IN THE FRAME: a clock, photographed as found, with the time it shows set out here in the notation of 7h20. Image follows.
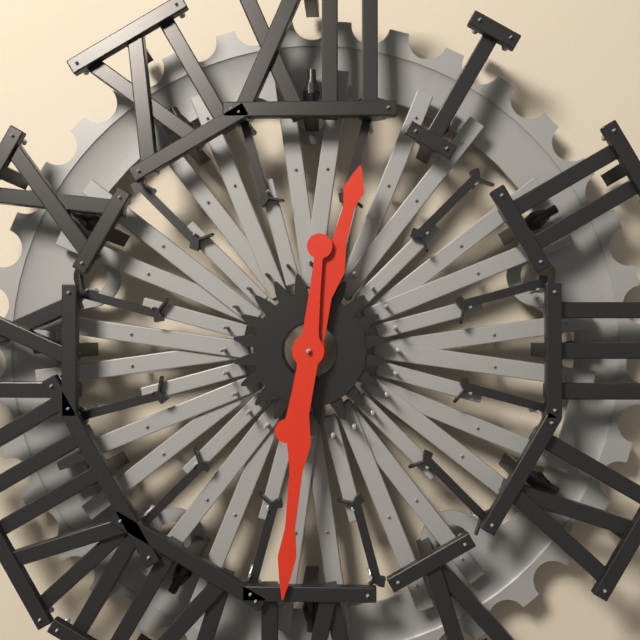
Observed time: 12h31
